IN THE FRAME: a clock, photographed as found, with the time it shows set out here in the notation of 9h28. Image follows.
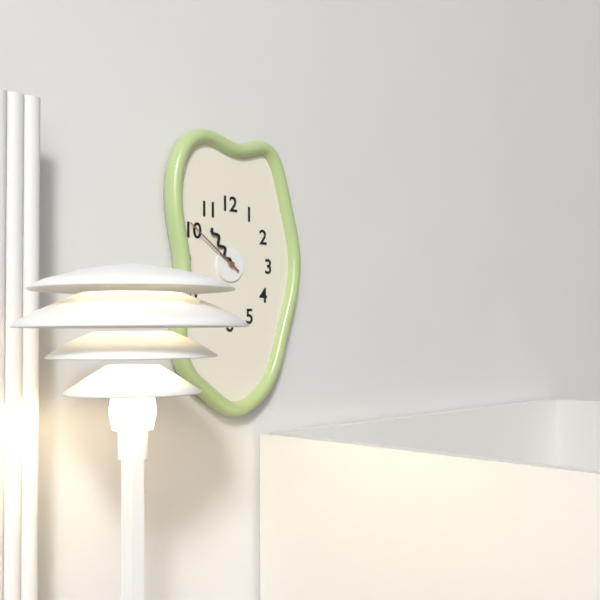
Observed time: 10h51
